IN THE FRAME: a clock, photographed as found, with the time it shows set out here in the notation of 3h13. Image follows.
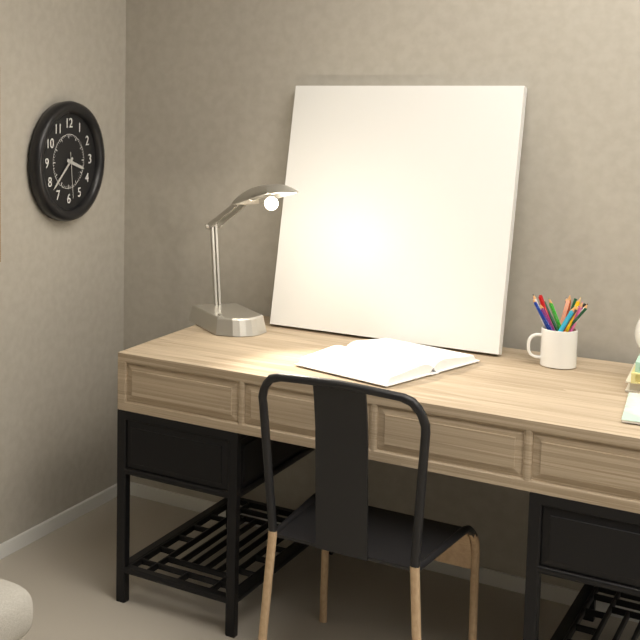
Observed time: 3h38
